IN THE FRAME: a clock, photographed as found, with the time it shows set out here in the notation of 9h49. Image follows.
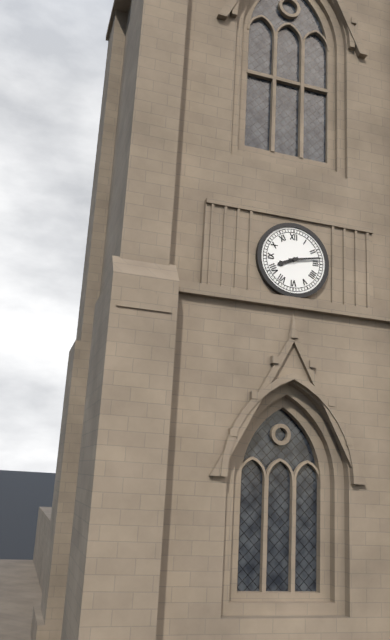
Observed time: 8h13
